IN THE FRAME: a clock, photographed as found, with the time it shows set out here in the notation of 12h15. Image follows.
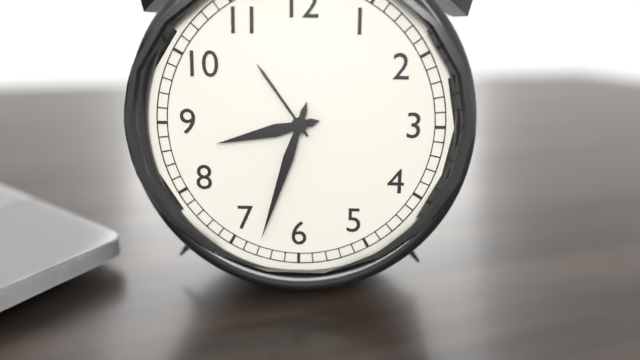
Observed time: 8h33
